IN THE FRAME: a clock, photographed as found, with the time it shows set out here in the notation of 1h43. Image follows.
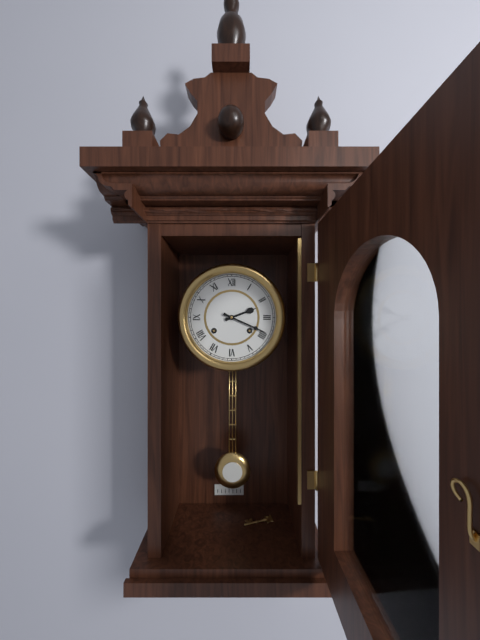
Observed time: 2h19
